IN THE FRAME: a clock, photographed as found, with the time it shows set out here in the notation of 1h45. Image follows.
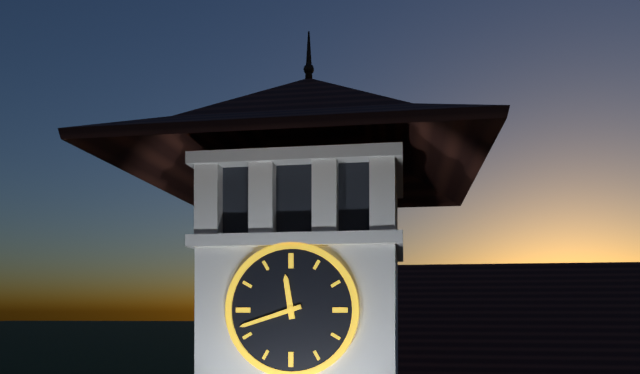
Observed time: 11h42
